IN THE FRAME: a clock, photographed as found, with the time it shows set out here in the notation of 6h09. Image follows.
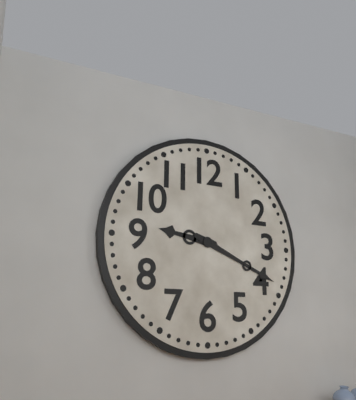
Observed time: 9h19
